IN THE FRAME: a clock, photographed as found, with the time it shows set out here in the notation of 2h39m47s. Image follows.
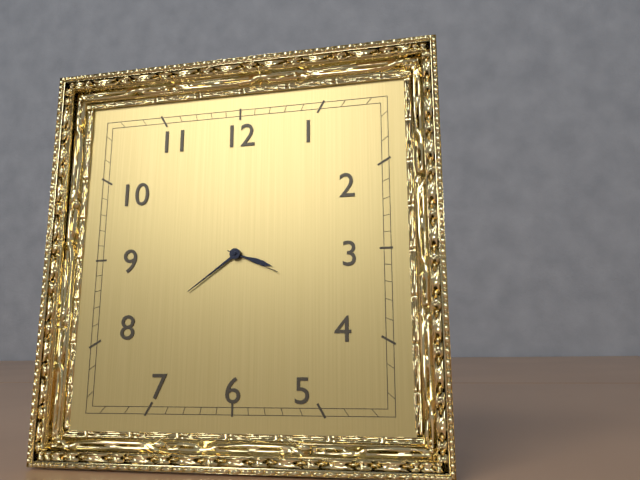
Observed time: 3h39m19s
